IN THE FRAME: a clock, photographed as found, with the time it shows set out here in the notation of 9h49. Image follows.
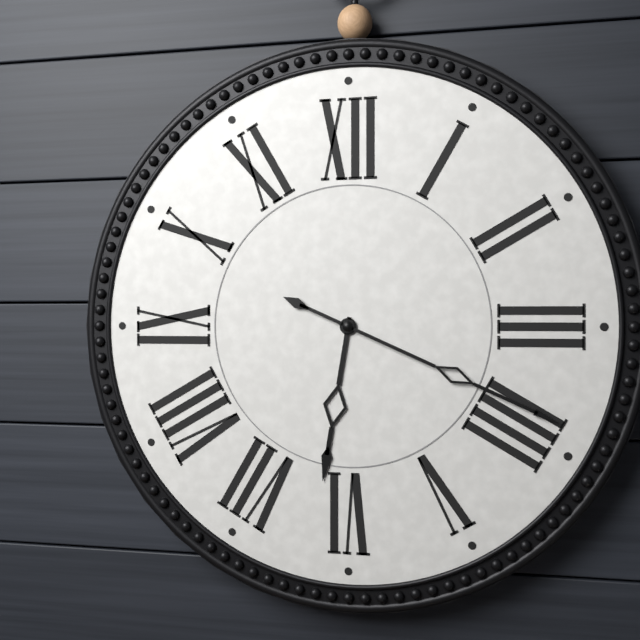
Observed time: 6h19
